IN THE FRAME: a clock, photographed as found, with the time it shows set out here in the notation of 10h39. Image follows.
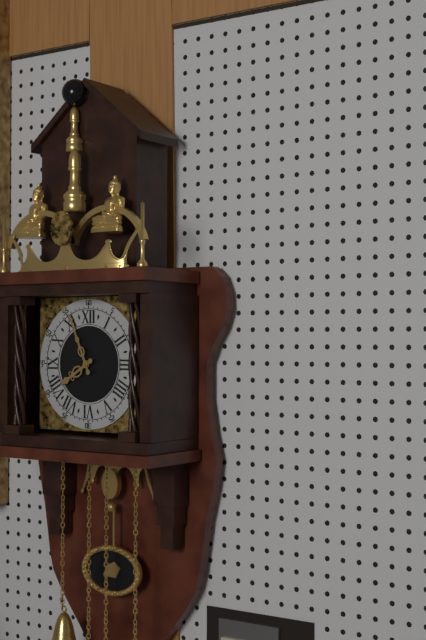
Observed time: 7h56
